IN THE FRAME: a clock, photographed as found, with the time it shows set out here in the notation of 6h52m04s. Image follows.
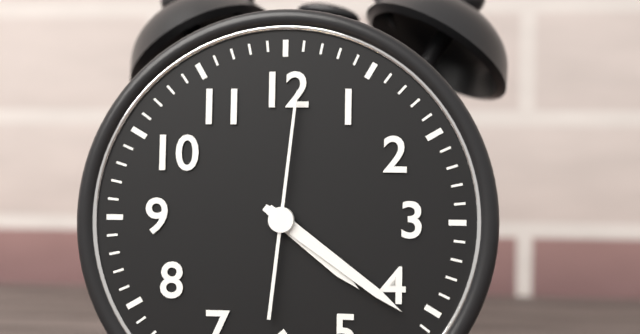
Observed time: 4h21m01s
